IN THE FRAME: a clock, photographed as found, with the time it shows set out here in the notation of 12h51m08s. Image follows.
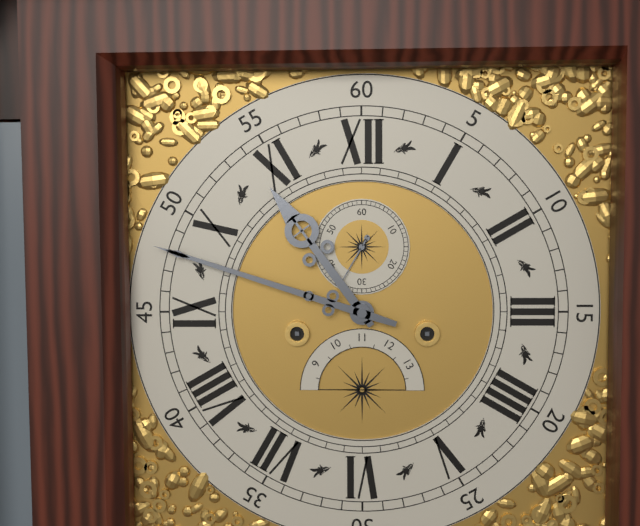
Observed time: 10h48m35s
